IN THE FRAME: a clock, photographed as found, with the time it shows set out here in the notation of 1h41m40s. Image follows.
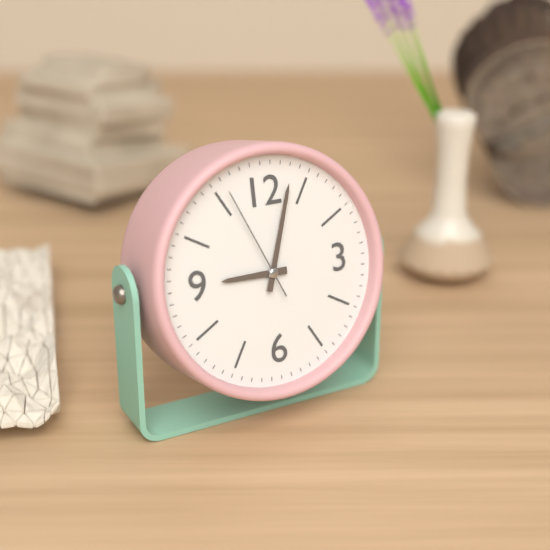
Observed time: 9h03m56s
